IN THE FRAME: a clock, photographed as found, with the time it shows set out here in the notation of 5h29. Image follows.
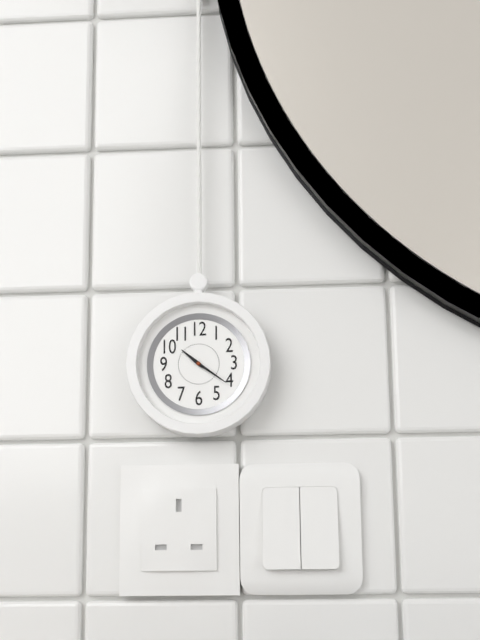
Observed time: 10h21
